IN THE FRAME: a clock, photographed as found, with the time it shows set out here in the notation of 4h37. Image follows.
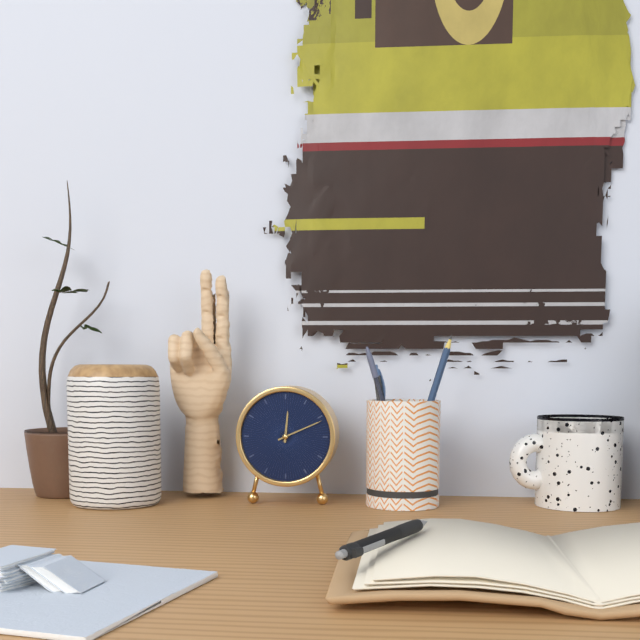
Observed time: 12h11
